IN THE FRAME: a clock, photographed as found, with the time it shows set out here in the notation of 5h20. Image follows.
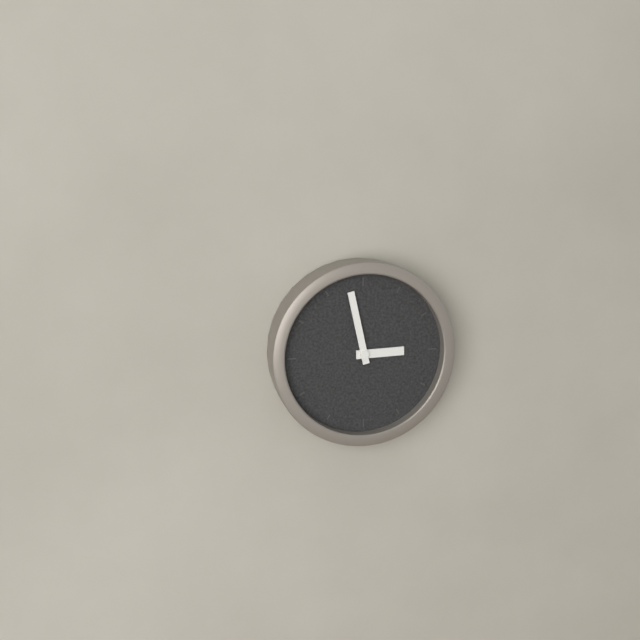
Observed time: 2h58
